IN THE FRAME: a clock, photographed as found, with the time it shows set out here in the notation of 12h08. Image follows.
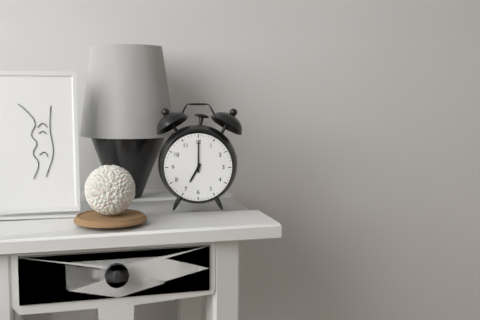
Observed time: 7h00
